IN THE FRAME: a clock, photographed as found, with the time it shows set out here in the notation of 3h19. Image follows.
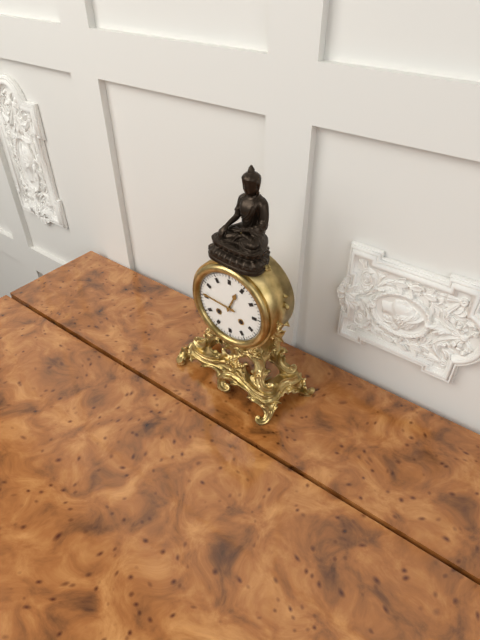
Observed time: 12h46
